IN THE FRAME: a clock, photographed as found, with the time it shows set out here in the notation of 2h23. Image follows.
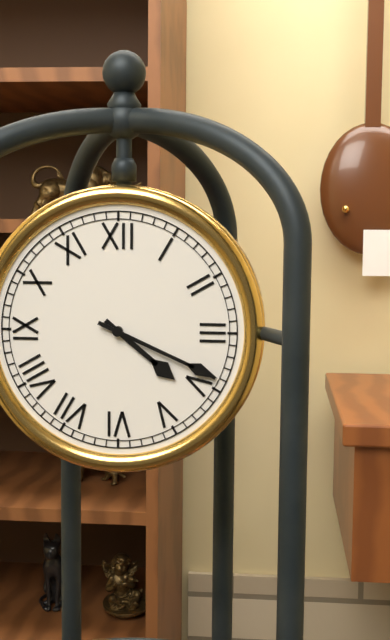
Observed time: 4h19
